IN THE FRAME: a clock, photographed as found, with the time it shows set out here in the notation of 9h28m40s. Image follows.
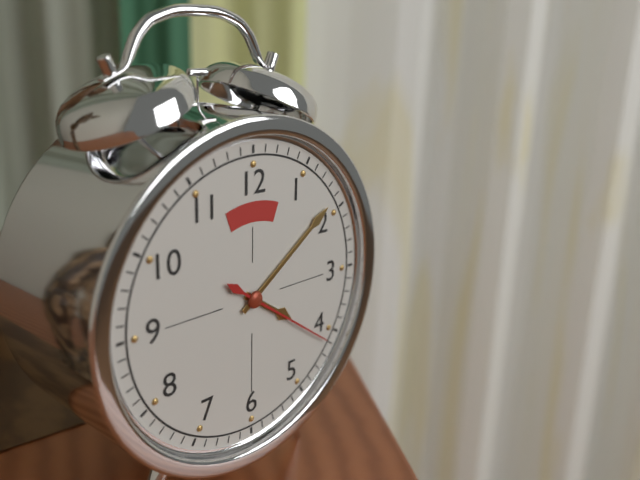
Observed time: 4h09m21s
